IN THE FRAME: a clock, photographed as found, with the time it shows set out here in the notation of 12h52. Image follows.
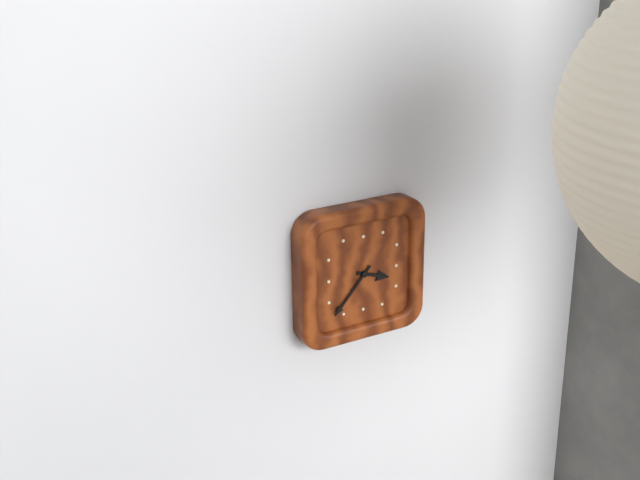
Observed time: 3h37
